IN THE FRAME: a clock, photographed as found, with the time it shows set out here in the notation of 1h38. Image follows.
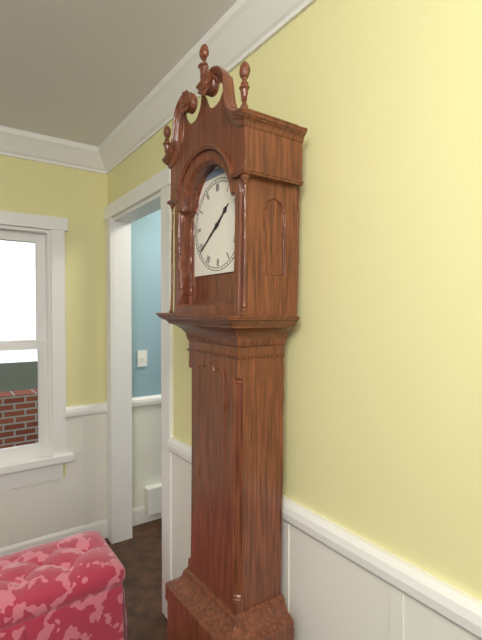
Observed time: 1h39
